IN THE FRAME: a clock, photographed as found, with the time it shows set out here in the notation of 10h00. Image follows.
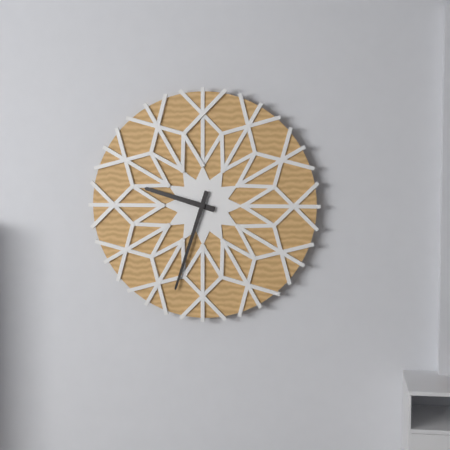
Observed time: 9h33
